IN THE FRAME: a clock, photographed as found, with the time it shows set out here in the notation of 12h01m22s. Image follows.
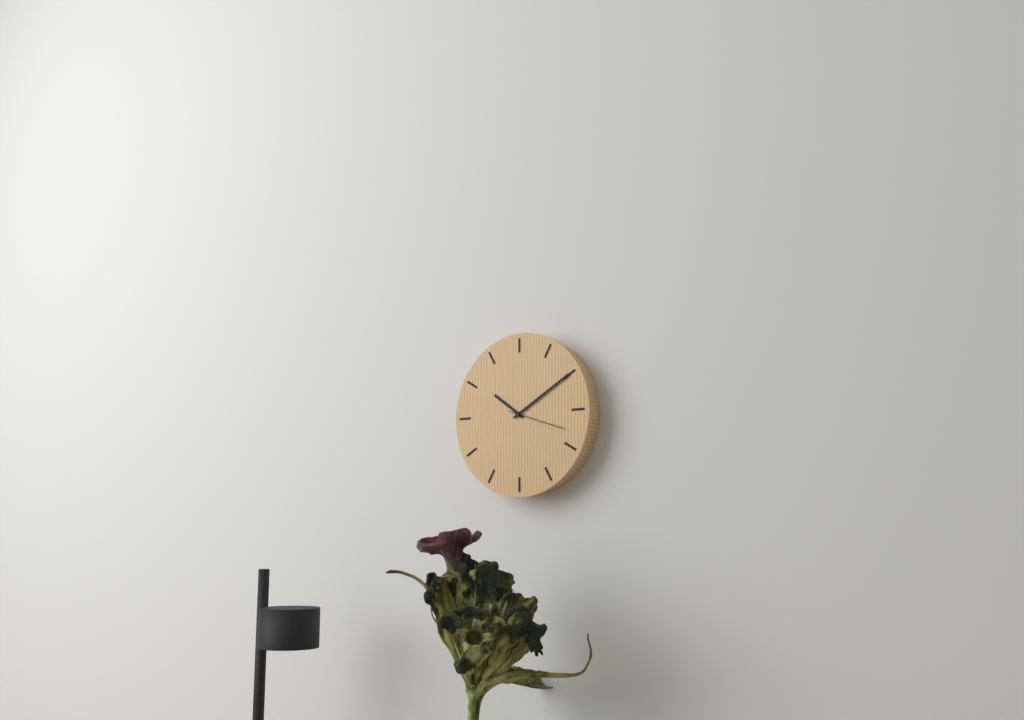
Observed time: 10h10m18s
